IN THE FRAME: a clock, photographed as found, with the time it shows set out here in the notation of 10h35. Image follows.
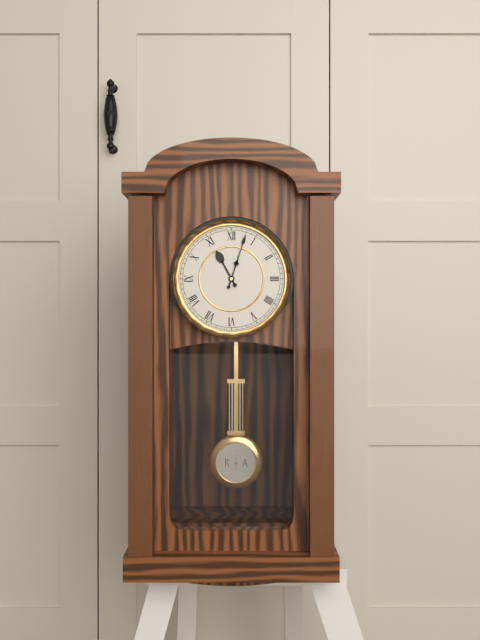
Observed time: 11h03
